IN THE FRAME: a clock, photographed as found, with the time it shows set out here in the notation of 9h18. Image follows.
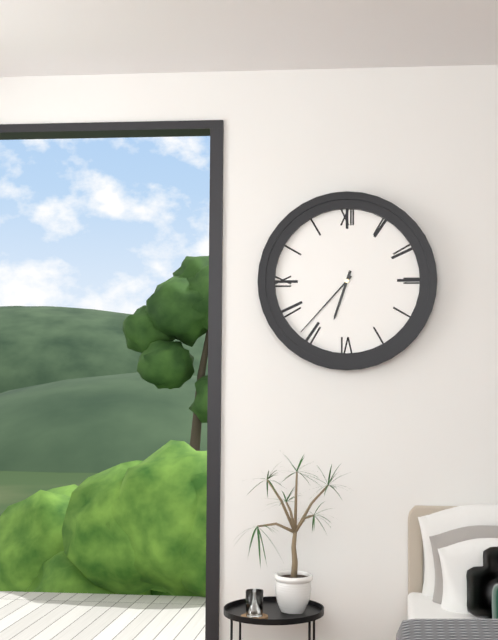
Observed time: 6h37
